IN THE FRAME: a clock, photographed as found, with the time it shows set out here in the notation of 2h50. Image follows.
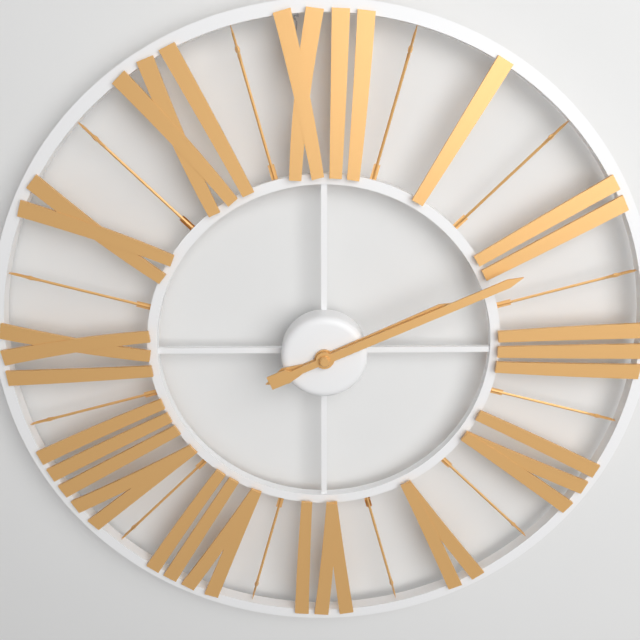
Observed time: 2h11
